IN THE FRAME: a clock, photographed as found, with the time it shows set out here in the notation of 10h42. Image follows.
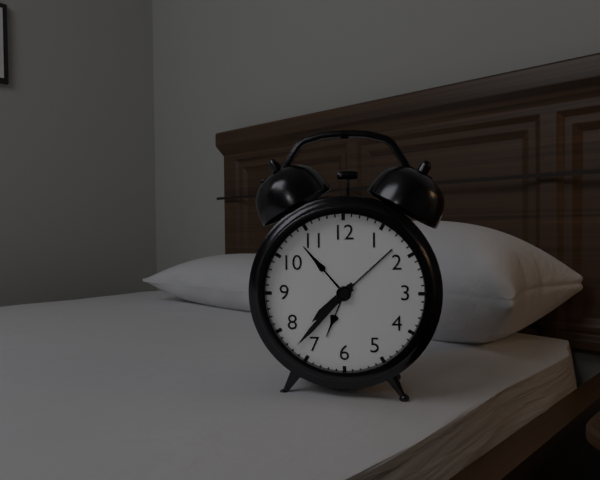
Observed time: 7h37
